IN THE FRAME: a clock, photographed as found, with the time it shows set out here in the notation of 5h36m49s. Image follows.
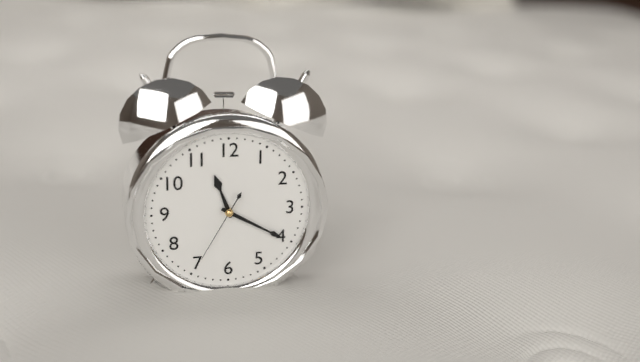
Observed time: 11h20m35s
